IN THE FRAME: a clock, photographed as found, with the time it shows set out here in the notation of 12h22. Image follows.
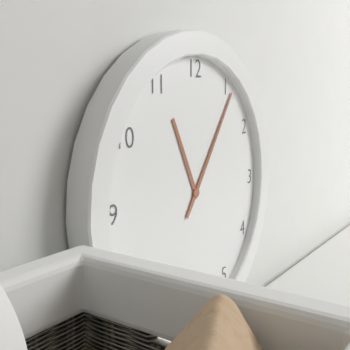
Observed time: 11h06
